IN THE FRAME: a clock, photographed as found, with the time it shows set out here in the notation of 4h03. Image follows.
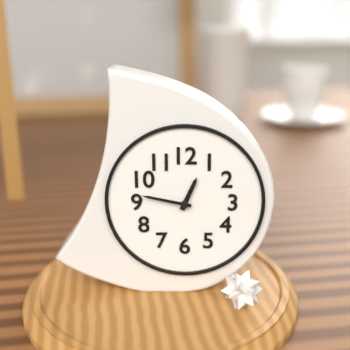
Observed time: 12h47
